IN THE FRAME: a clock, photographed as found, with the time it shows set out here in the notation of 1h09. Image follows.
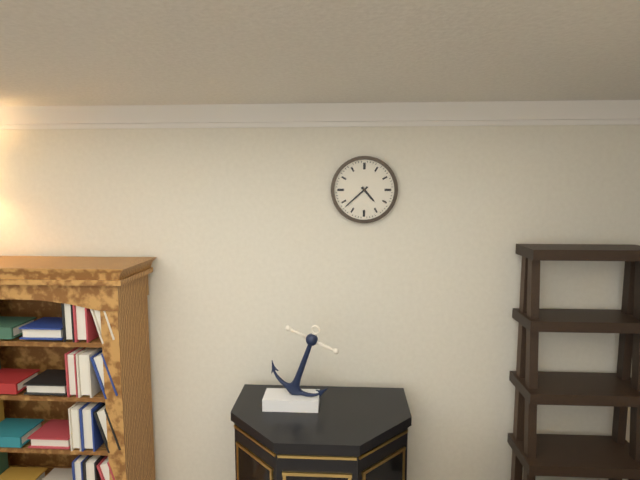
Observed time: 4h38
